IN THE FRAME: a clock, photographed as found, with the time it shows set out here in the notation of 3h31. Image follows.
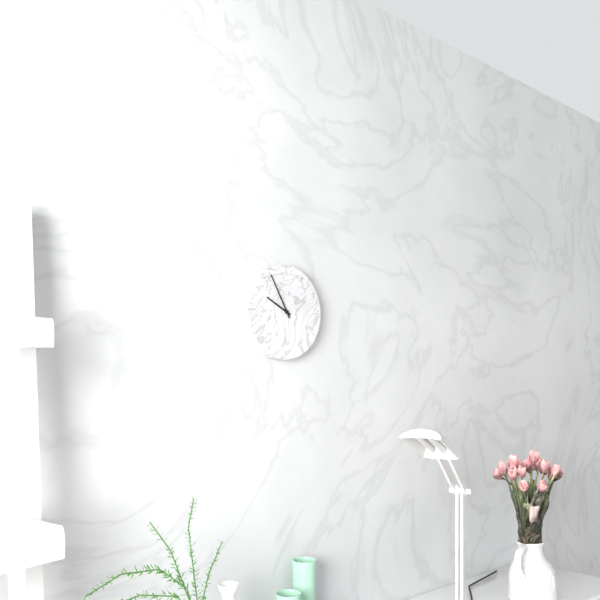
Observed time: 9h55
